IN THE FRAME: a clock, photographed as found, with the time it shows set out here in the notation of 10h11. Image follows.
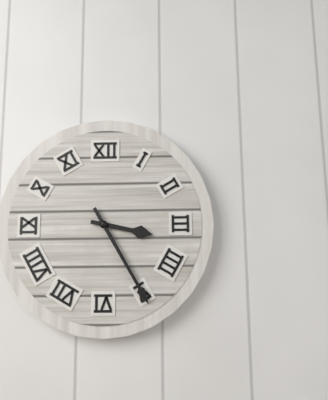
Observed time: 3h25
